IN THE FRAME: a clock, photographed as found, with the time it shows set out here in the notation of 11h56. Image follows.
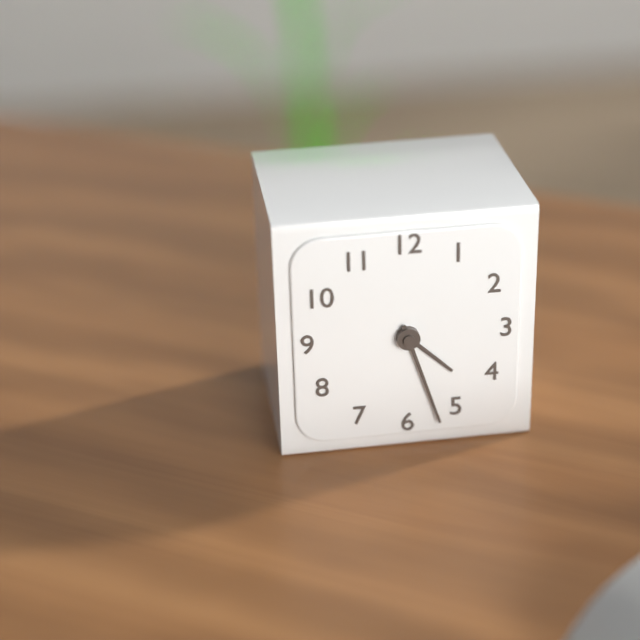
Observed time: 4h27
